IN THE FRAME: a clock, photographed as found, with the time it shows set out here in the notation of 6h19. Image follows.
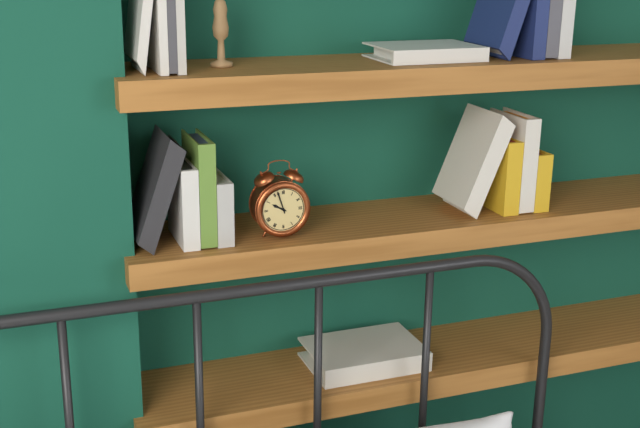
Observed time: 9h57
